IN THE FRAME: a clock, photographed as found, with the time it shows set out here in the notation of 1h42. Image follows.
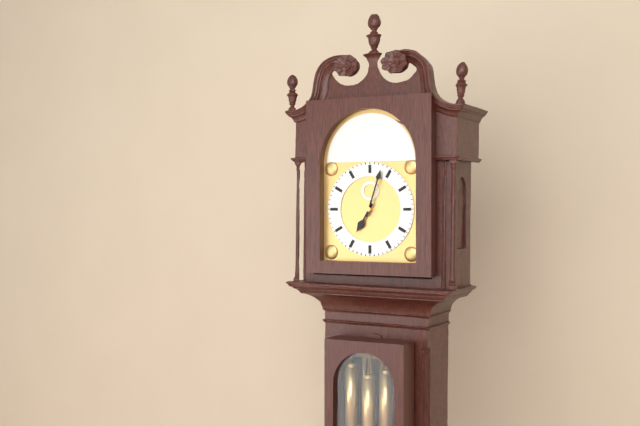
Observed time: 7h03
